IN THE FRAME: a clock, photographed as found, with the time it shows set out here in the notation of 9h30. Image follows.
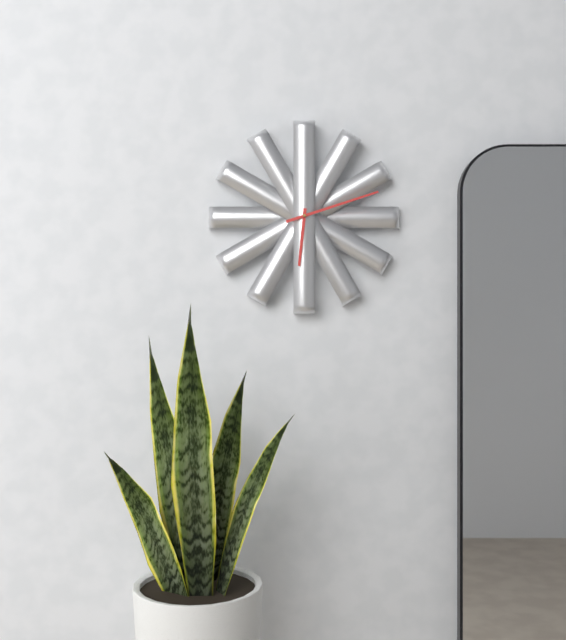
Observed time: 6h12
